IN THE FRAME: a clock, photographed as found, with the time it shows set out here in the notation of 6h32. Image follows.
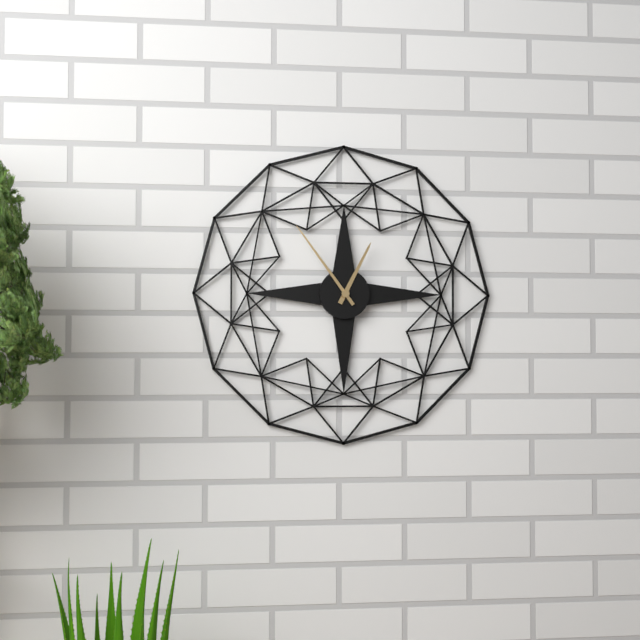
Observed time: 12h54
